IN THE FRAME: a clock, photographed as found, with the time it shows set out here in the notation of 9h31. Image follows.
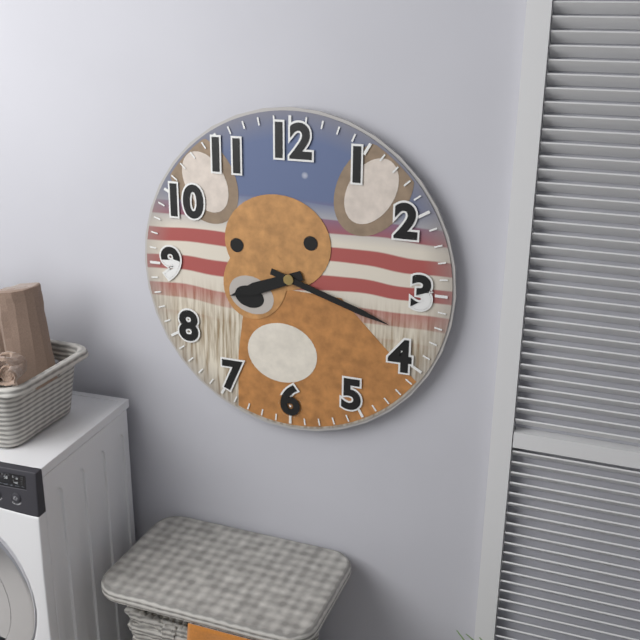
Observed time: 8h18
